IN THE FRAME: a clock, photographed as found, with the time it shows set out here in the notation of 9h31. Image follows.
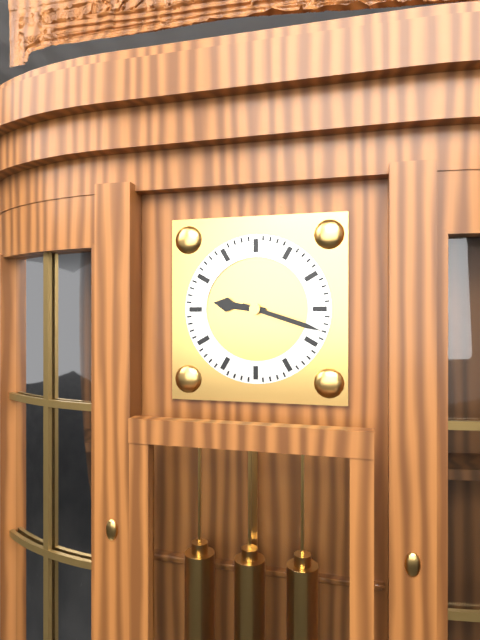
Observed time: 9h18
